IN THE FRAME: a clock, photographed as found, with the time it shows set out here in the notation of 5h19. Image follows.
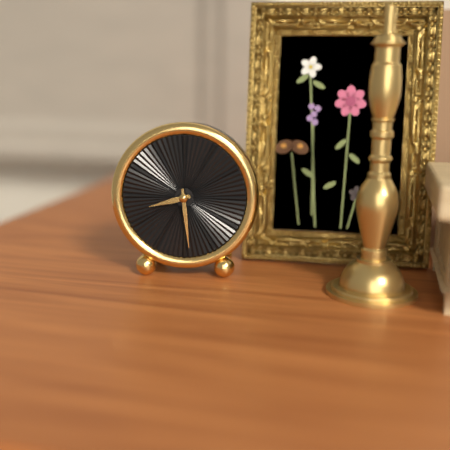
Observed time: 8h29
